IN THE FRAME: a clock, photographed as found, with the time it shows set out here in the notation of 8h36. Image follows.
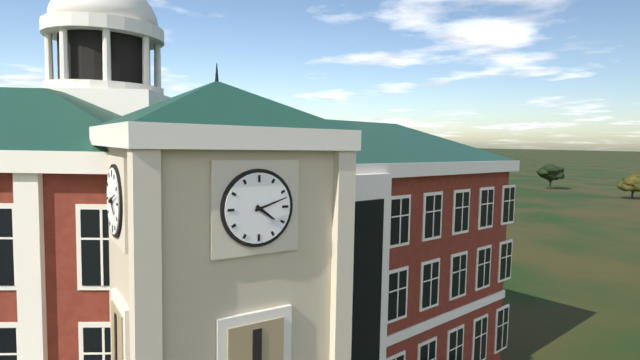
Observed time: 4h12
